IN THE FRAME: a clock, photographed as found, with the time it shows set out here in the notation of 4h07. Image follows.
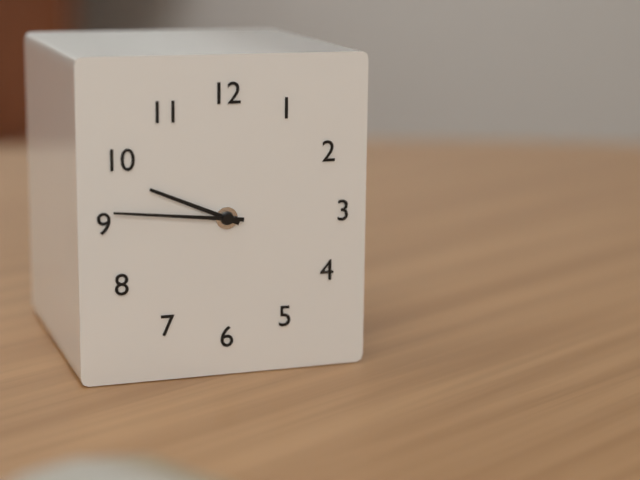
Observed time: 9h46
